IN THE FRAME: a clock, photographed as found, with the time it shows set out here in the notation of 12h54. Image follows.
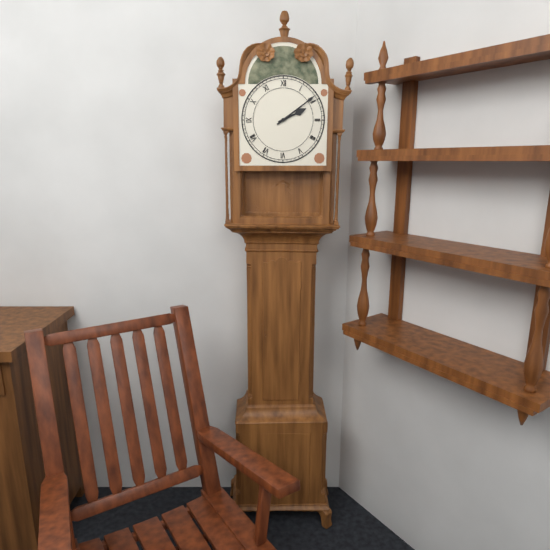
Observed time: 2h09
